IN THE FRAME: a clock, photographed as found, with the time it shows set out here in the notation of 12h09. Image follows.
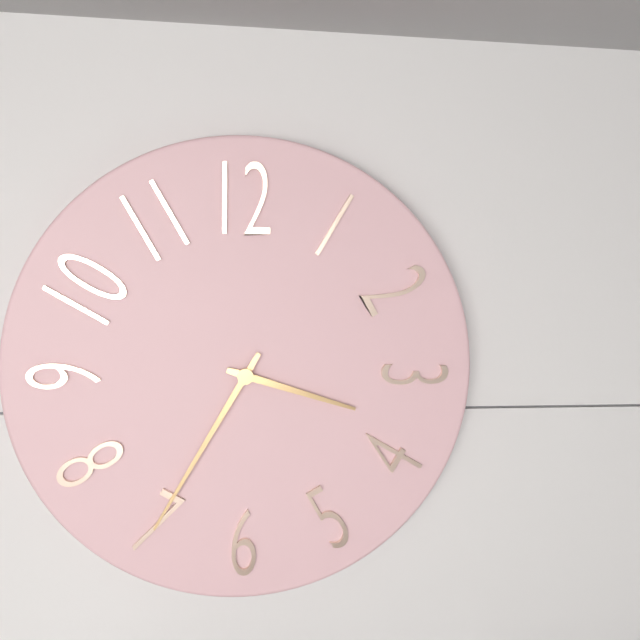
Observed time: 3h35
